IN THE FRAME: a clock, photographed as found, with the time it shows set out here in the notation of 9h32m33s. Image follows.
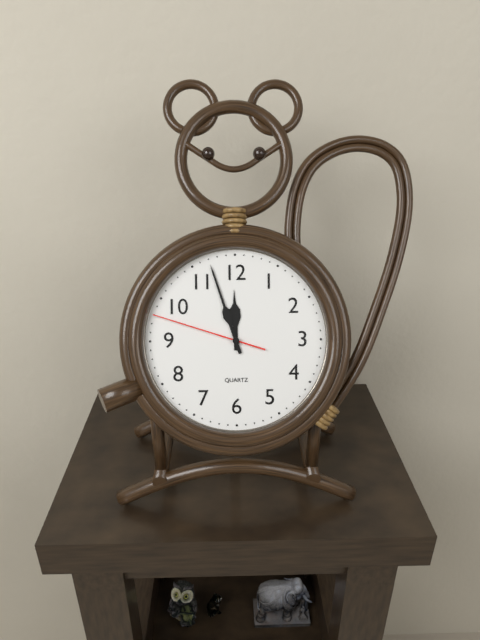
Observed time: 11h57m48s
